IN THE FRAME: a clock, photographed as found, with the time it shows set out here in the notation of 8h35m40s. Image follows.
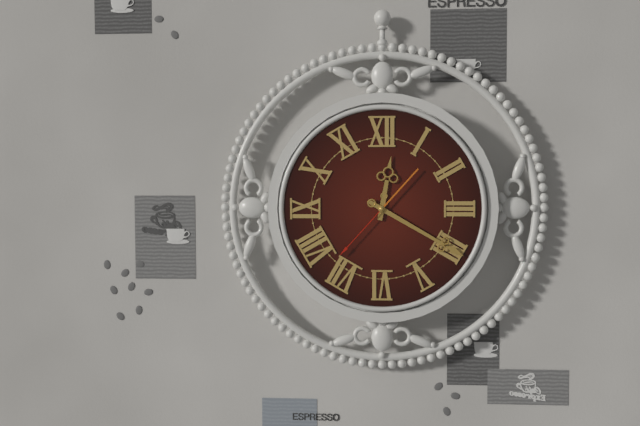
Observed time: 12h20m37s
